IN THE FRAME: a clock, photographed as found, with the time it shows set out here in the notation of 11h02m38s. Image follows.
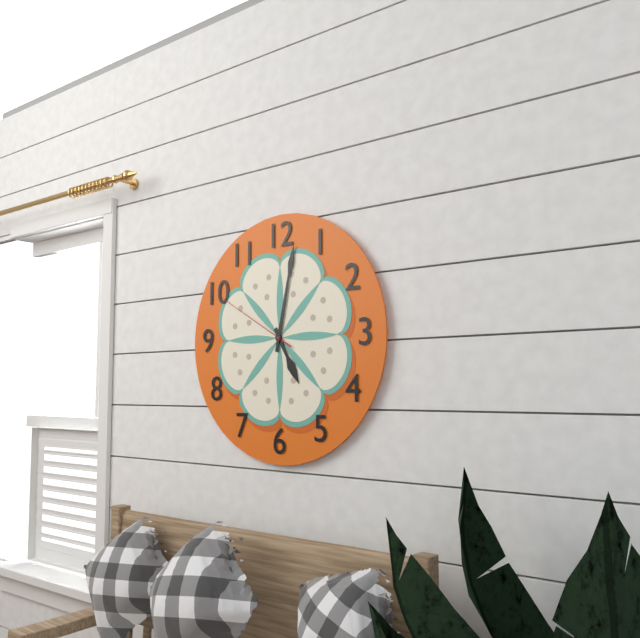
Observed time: 5h02m50s
